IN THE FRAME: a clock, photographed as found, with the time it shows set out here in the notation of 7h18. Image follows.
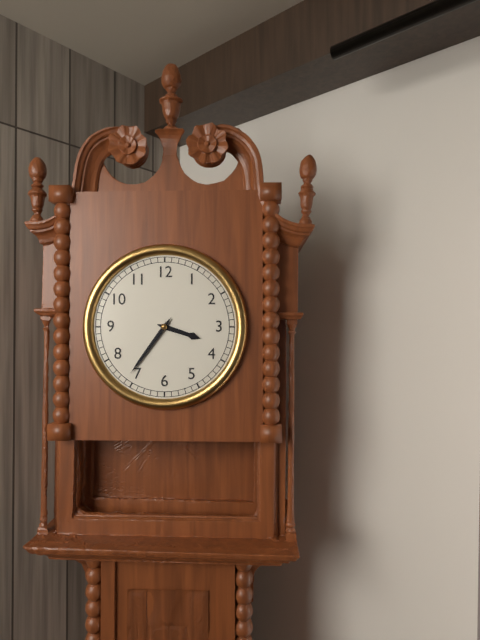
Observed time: 3h36
